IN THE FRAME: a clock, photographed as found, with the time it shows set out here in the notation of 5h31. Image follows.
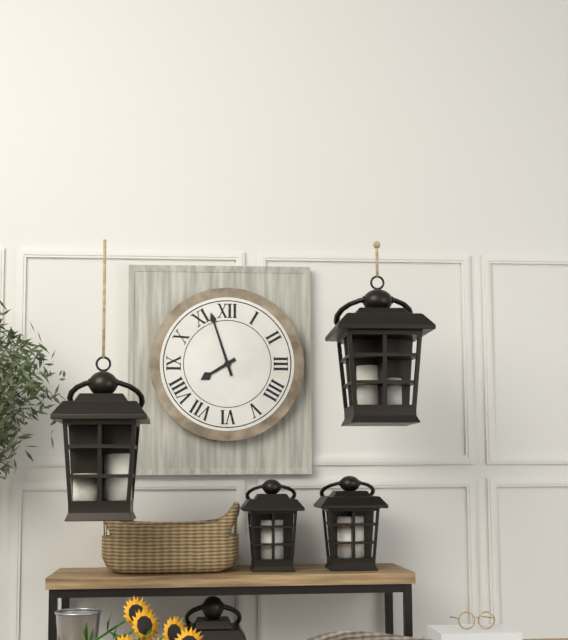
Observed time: 7h57
